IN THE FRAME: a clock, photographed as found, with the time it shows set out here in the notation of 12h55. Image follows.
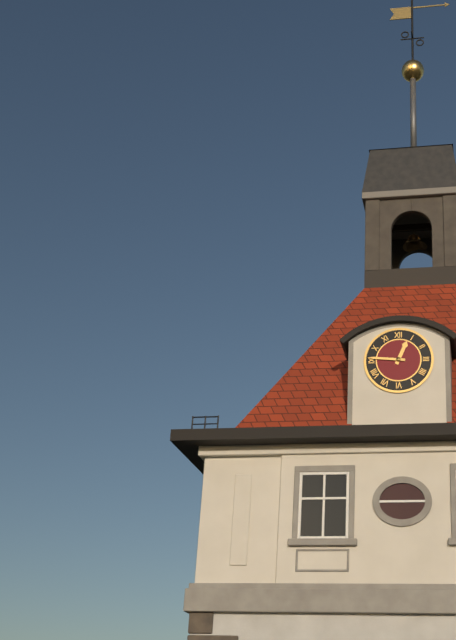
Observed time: 12h46
